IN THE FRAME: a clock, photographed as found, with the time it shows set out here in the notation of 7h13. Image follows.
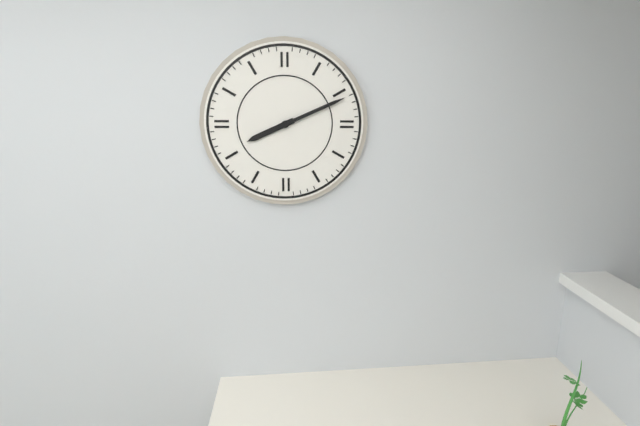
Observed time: 8h11
